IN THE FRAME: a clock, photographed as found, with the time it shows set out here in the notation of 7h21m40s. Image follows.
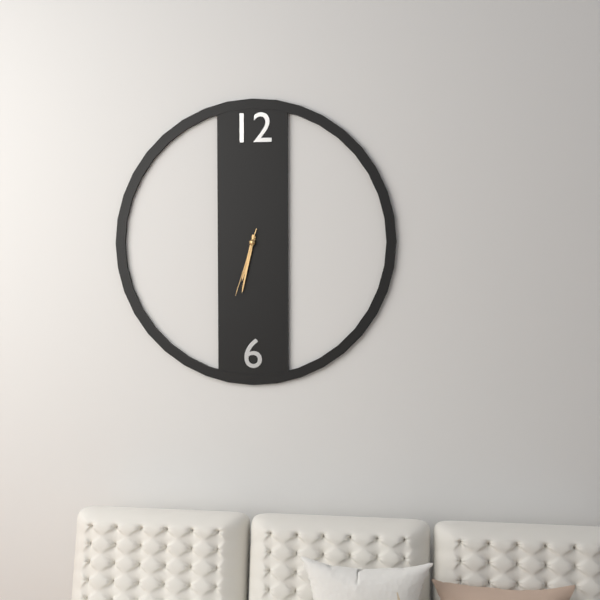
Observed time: 6h32m33s
